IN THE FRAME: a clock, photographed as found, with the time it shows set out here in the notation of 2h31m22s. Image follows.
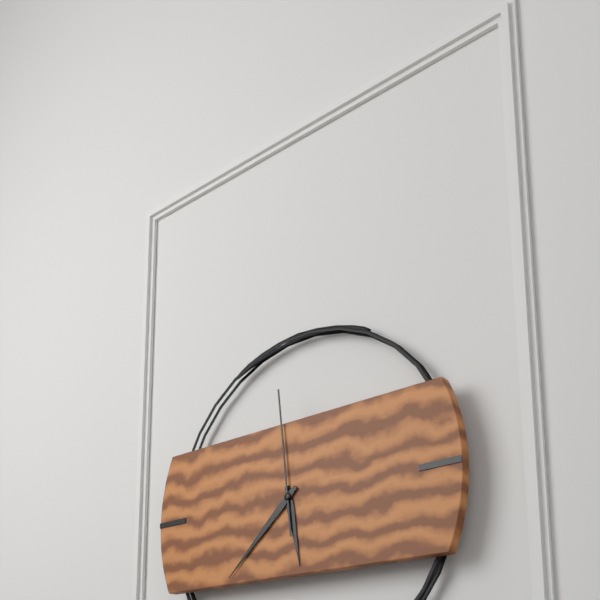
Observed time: 5h38m59s
